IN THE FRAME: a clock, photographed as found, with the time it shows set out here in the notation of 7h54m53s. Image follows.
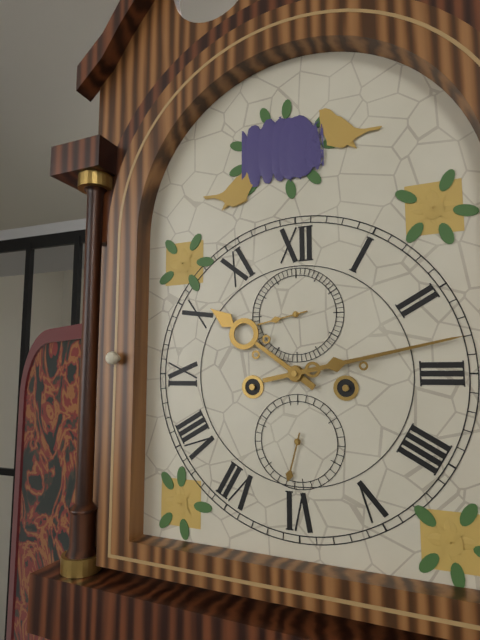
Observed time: 10h13m43s
